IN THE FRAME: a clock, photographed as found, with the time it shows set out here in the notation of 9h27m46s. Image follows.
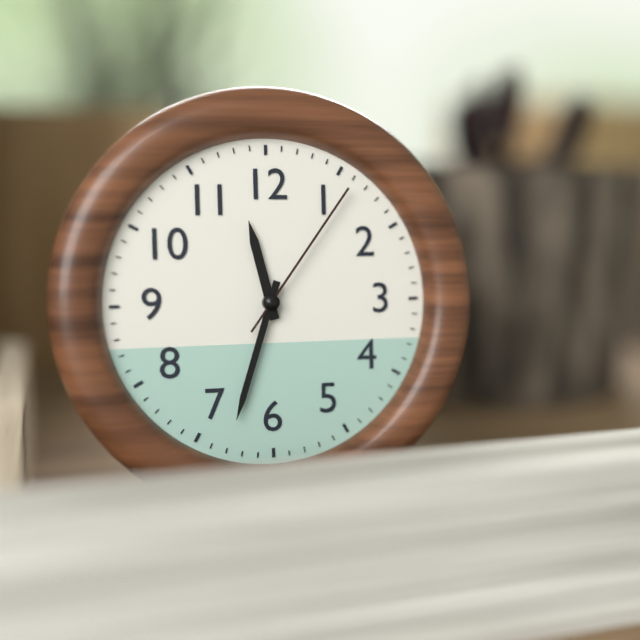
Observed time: 11h33m06s
